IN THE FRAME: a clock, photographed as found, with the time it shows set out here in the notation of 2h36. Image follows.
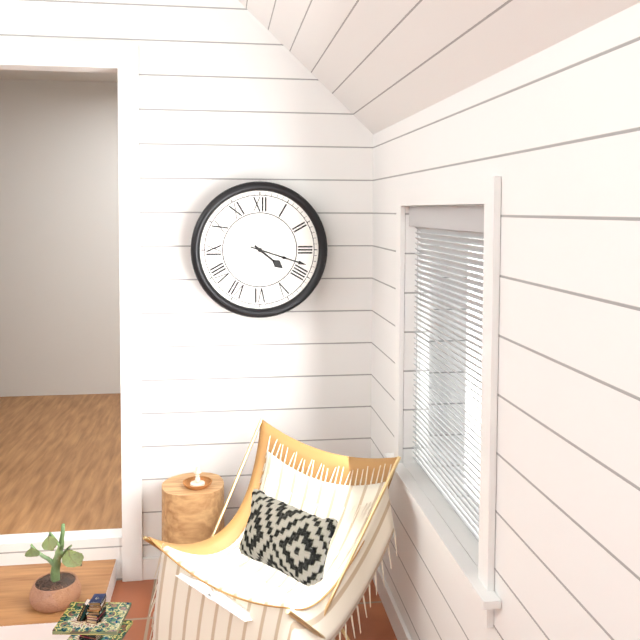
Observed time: 4h18
